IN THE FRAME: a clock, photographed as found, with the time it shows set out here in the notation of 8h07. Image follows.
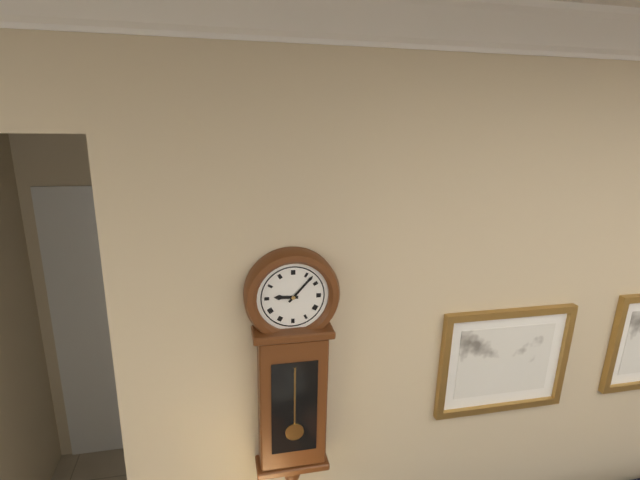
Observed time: 9h07
